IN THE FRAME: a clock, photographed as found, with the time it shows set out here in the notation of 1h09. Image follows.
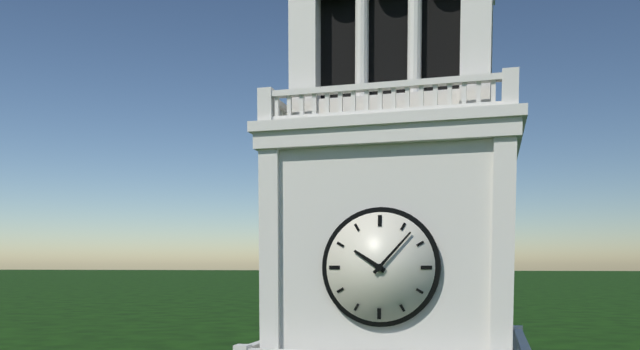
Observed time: 10h07
